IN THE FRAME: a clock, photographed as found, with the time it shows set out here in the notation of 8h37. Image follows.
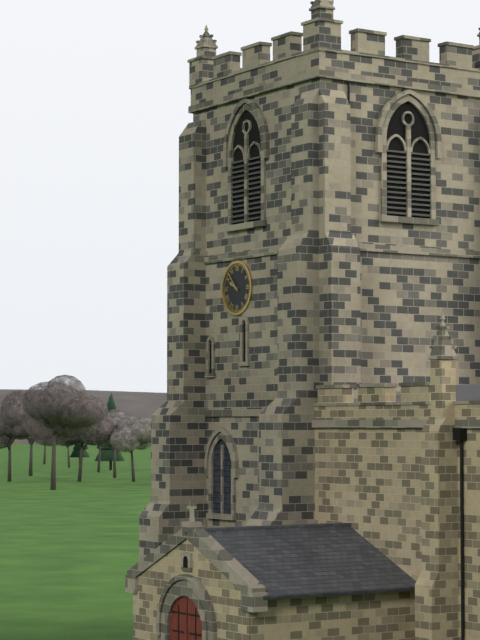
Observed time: 9h53
